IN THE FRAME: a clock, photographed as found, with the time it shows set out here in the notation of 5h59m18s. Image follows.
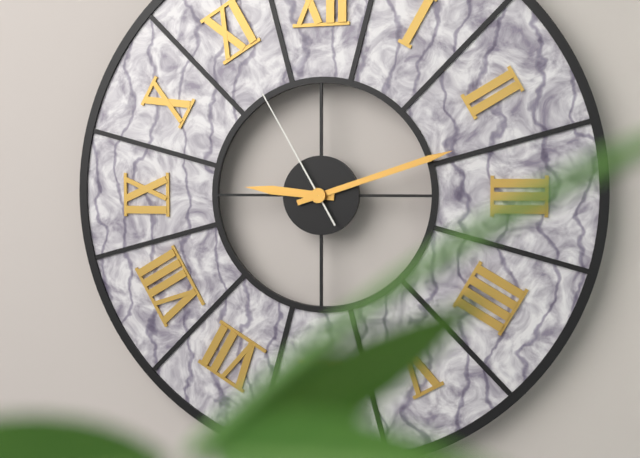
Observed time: 9h12m55s
